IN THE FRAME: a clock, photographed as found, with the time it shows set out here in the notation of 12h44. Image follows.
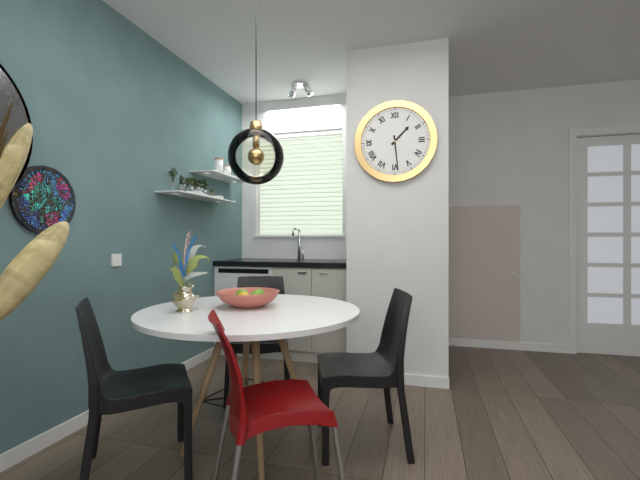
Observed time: 1h29
